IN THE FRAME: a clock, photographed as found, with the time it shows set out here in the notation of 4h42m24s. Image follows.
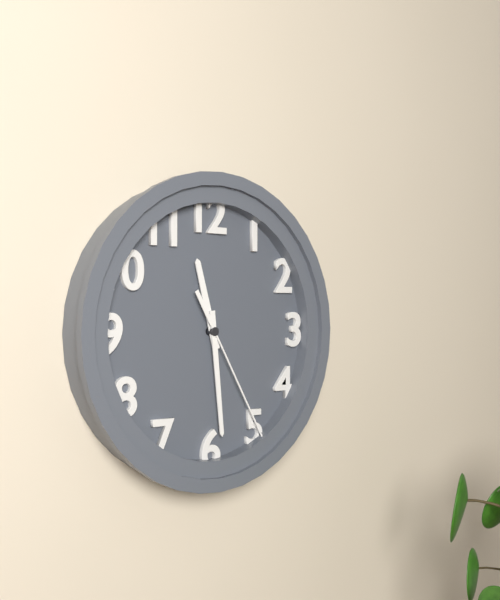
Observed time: 11h29m25s
